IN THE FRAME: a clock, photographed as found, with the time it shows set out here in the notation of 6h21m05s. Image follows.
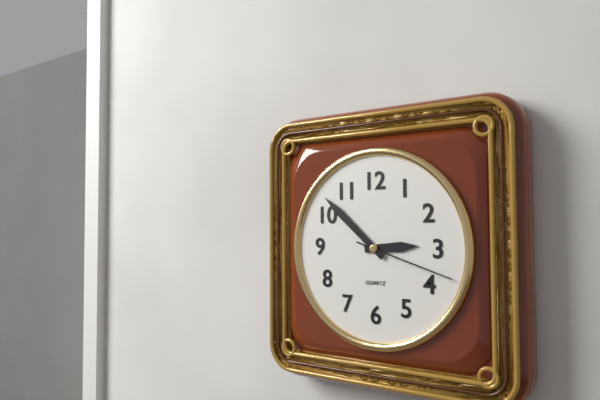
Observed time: 2h52m18s
